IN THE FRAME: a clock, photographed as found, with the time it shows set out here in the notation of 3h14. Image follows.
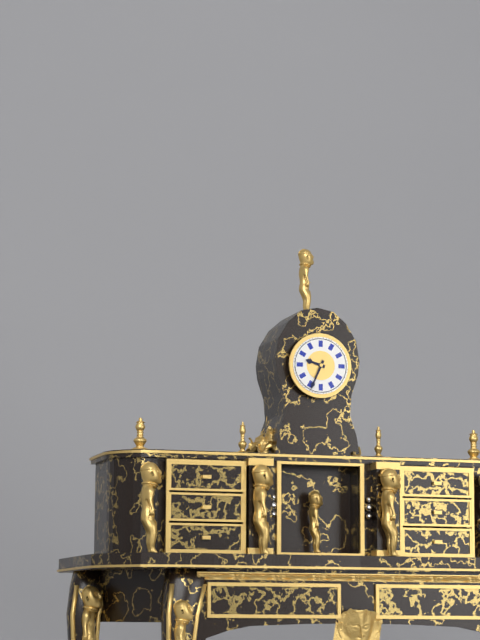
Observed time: 9h34
